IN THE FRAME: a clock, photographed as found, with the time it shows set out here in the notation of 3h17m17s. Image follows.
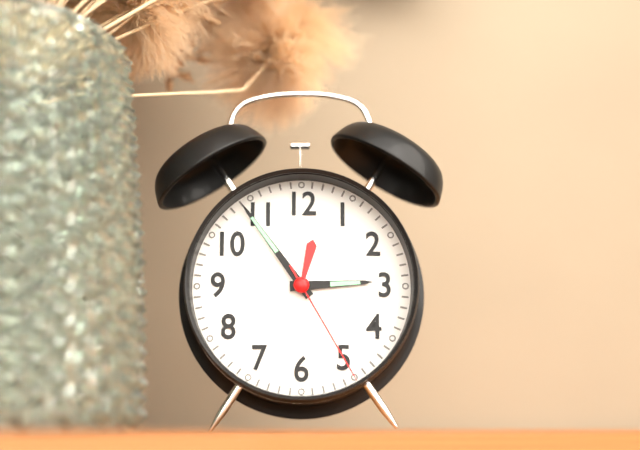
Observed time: 2h54m25s
